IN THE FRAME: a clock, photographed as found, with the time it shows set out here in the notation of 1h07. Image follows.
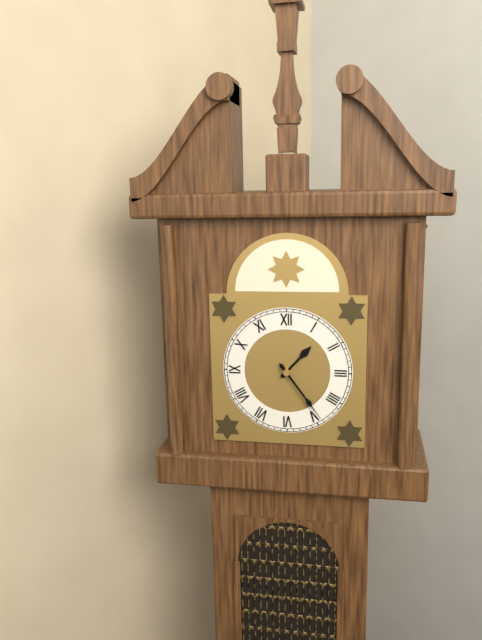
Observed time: 1h24
